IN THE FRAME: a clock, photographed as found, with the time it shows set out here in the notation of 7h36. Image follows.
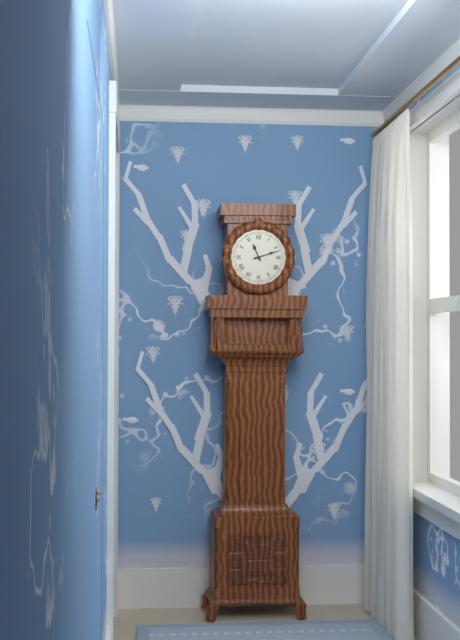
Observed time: 11h12
